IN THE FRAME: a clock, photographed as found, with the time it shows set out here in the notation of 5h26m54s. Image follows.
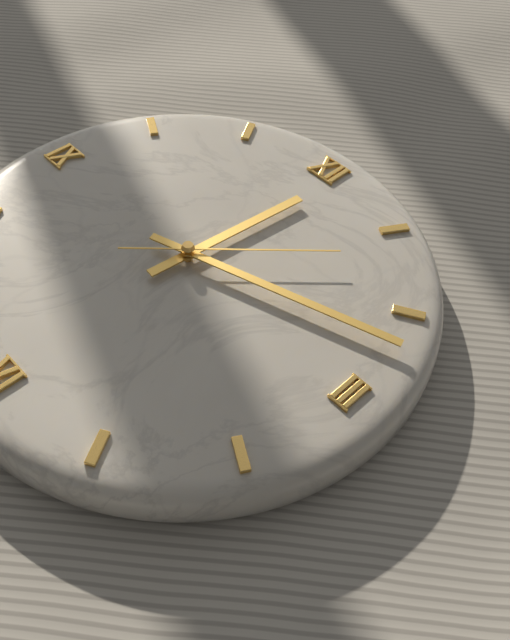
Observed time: 12h12m07s
